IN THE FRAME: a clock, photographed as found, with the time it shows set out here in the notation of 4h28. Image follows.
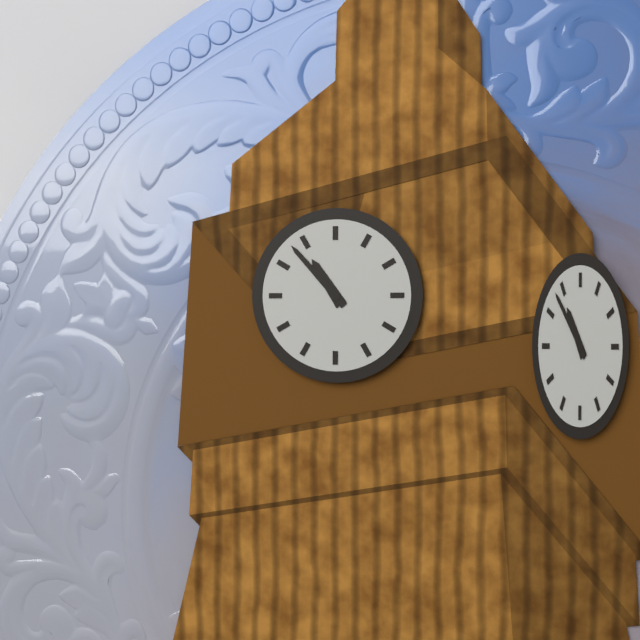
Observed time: 10h53
